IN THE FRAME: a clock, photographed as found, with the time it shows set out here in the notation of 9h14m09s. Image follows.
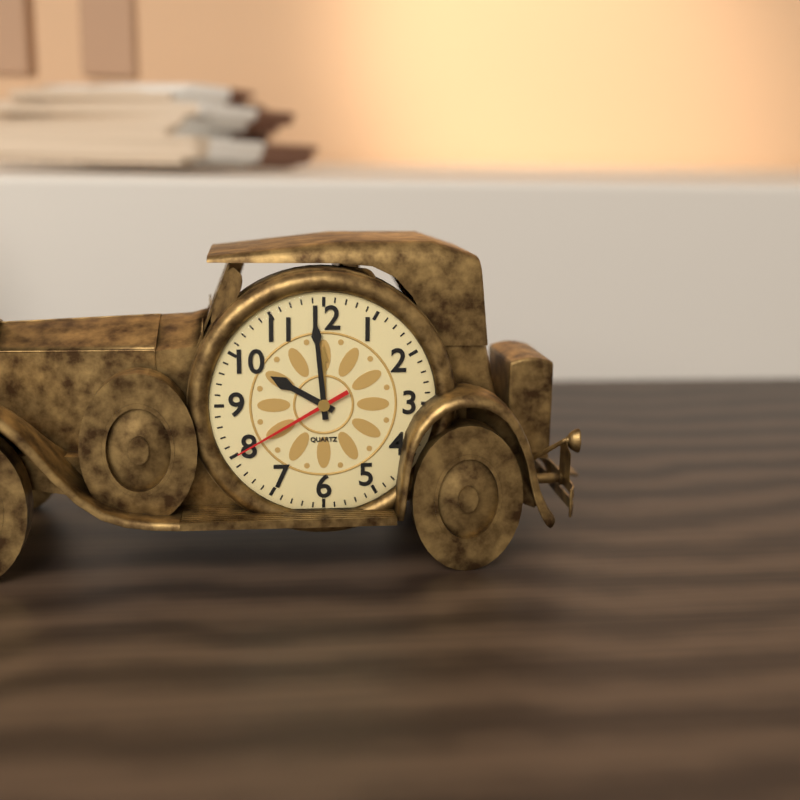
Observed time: 9h59m40s
